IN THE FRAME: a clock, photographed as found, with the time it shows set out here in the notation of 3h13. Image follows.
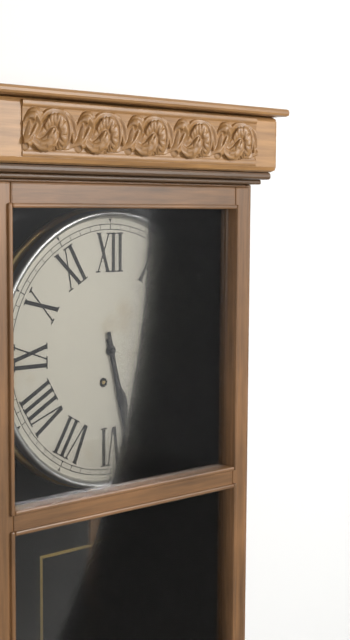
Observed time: 5h28
